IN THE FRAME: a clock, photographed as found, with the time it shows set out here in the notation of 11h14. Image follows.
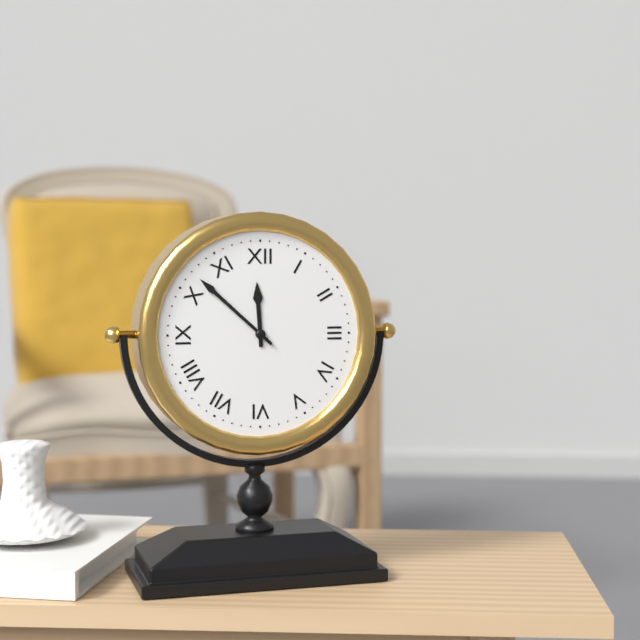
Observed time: 11h52
